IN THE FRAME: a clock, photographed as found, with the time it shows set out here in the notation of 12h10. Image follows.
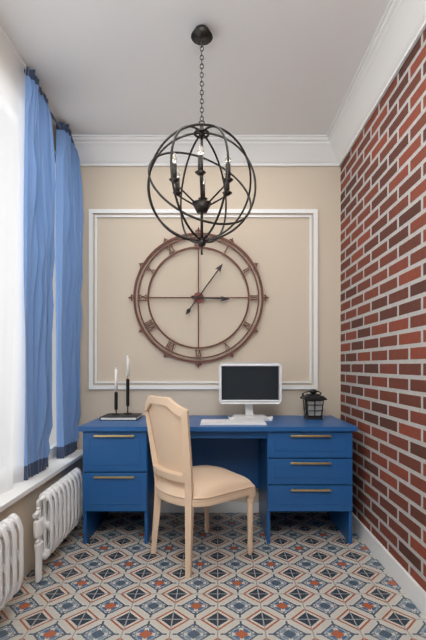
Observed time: 3h06
